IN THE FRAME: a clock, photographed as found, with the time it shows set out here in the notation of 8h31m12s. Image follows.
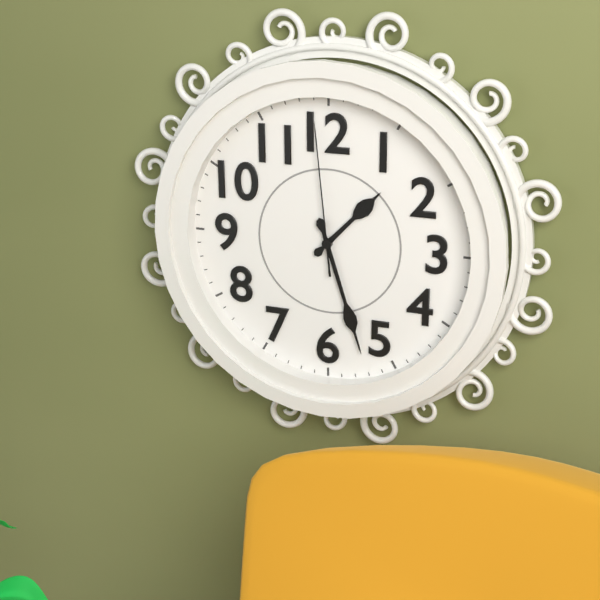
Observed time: 1h27m59s
